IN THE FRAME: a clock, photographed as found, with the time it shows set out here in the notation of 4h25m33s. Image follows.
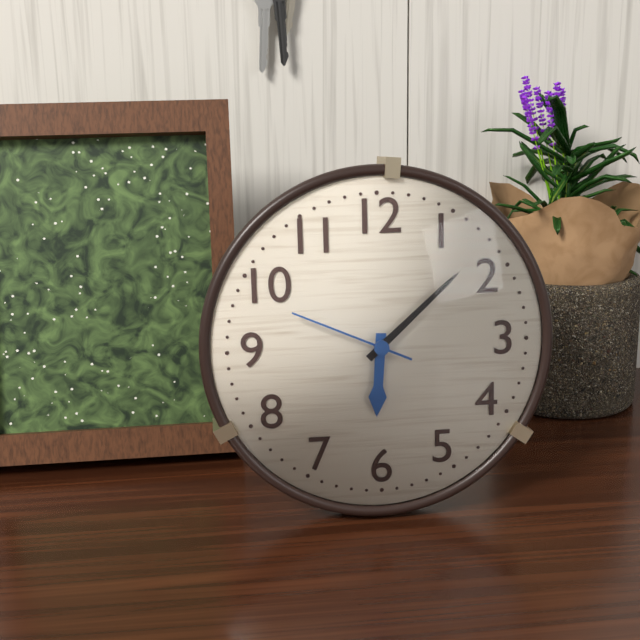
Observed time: 6h08m49s
